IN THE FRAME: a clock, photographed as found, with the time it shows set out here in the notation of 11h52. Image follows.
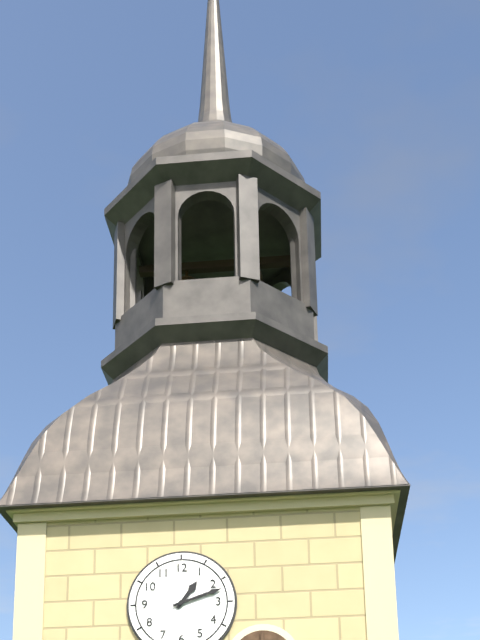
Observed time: 1h12
